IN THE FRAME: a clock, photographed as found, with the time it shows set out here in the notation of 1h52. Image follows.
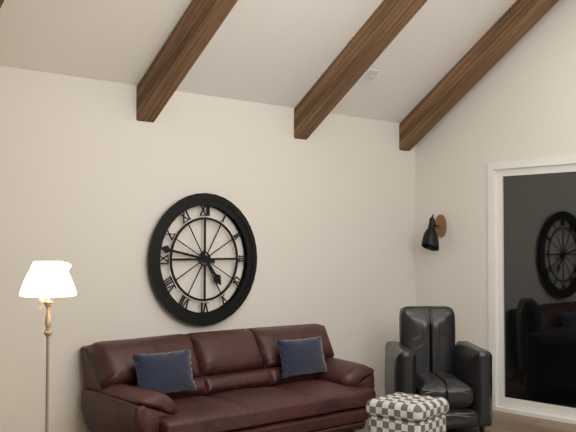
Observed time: 4h47
